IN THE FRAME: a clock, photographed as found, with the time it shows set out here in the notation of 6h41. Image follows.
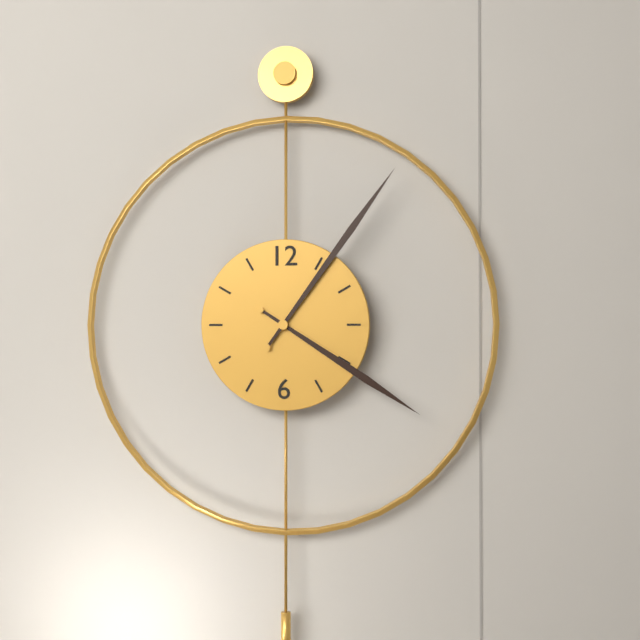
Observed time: 4h06
